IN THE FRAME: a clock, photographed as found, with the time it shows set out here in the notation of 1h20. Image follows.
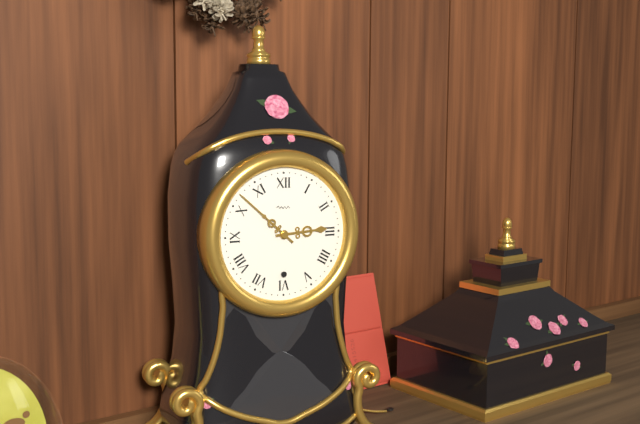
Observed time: 2h52
